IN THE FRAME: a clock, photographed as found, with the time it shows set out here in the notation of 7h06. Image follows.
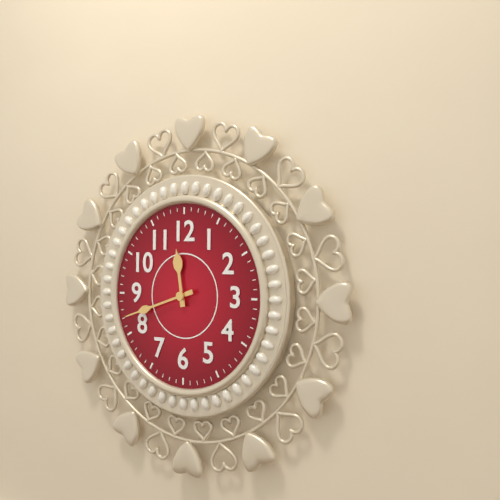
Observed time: 11h42
